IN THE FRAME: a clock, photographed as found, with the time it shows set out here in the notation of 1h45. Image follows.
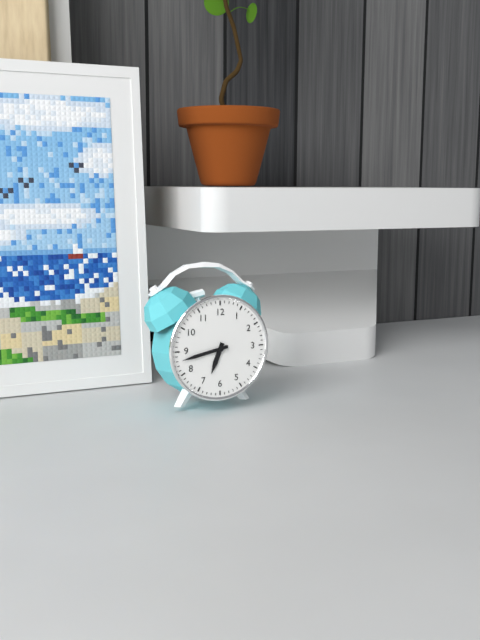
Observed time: 6h43
